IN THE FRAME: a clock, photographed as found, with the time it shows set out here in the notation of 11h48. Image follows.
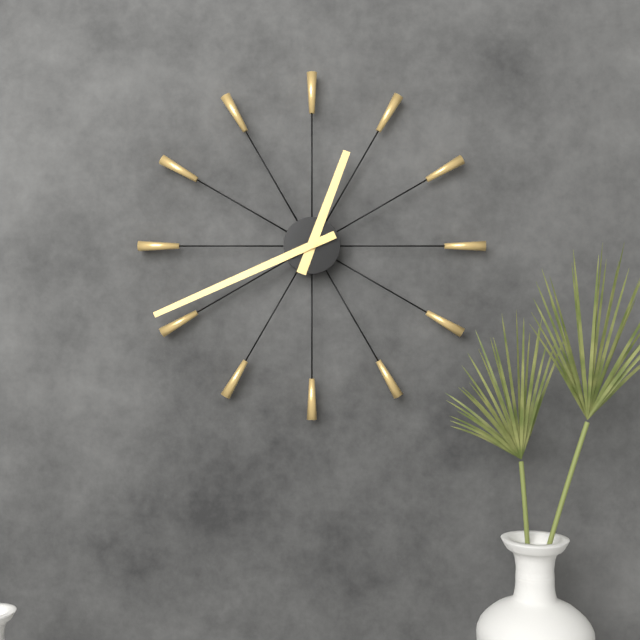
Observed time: 12h41
